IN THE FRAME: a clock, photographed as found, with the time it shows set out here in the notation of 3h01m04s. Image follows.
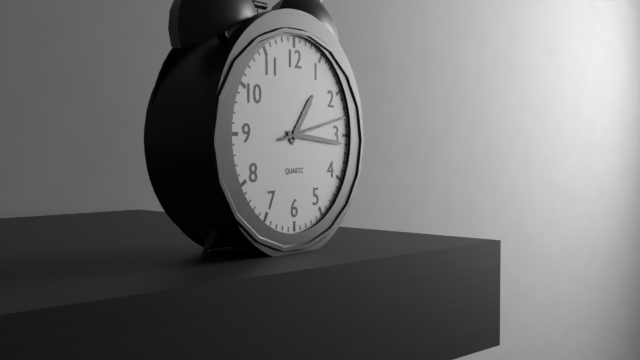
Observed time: 1h16m13s
